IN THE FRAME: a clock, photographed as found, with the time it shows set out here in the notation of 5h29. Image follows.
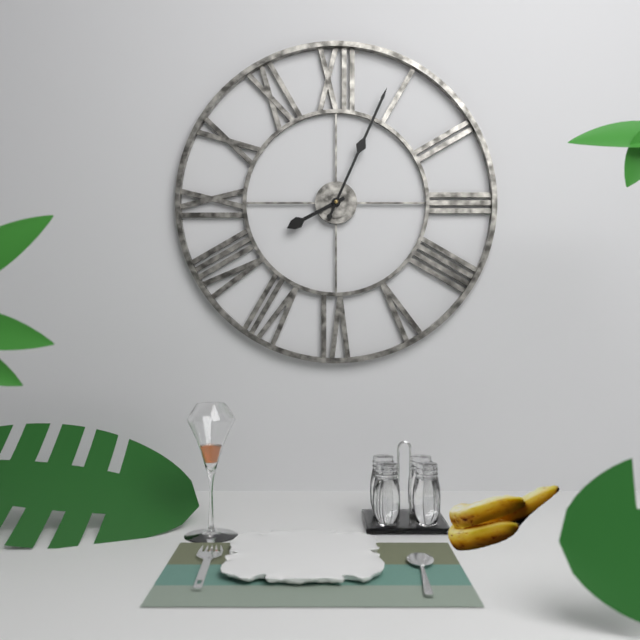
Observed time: 8h04
